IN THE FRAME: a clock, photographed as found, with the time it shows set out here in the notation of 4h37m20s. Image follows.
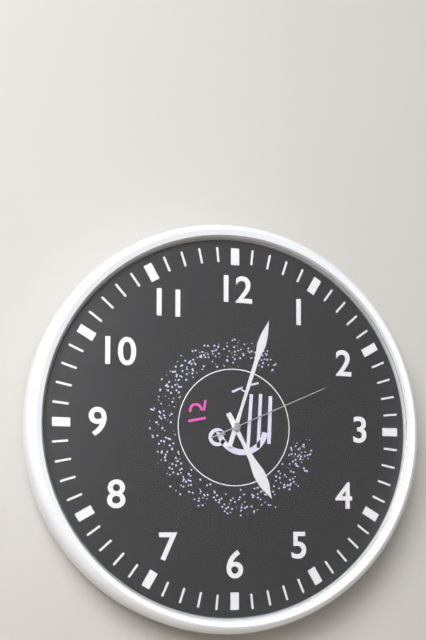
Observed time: 5h03m11s
